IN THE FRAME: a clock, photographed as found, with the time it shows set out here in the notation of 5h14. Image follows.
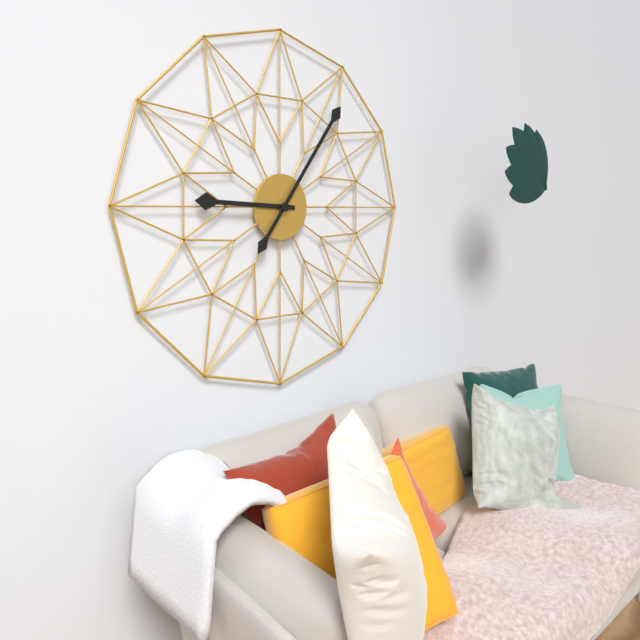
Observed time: 9h06
